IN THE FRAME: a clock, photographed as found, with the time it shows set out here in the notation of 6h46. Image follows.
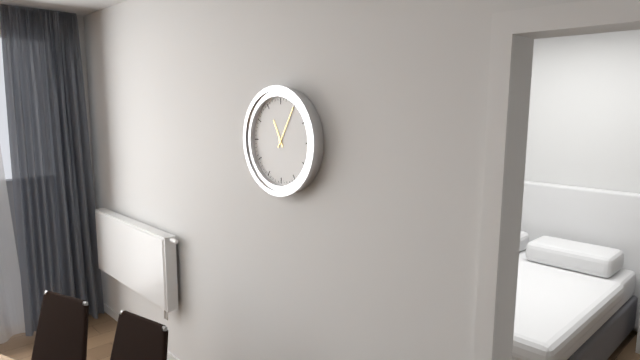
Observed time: 11h05
